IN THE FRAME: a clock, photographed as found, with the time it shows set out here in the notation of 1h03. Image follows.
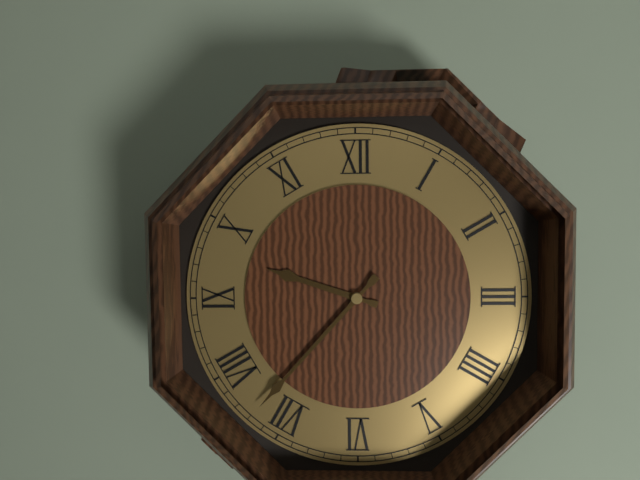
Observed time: 9h37
